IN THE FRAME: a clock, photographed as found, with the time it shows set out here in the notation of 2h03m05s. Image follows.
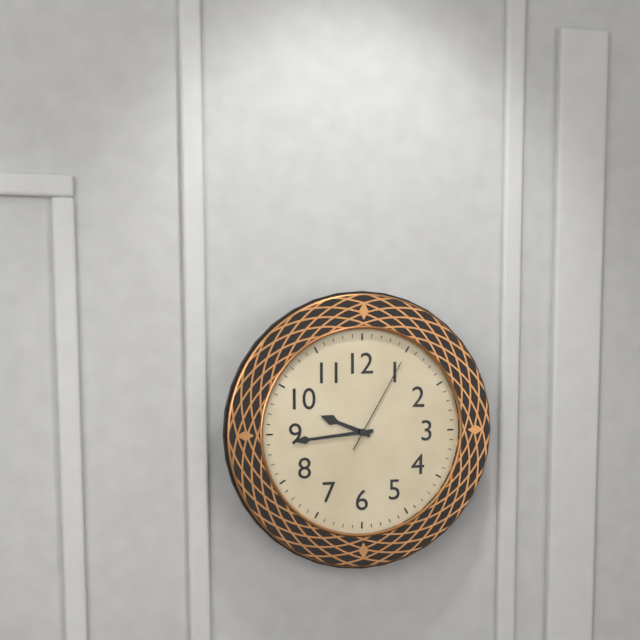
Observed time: 9h44m05s
